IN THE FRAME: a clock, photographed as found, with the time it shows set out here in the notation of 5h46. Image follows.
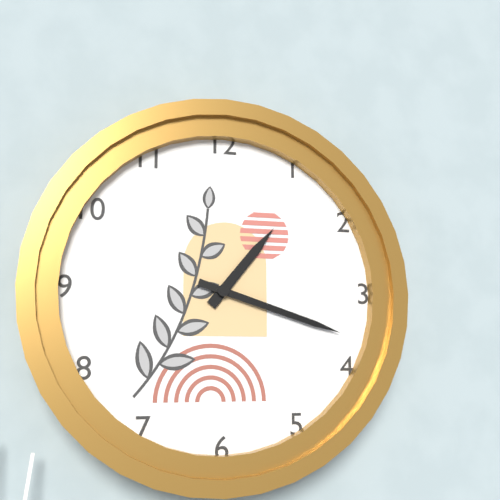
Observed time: 1h18
